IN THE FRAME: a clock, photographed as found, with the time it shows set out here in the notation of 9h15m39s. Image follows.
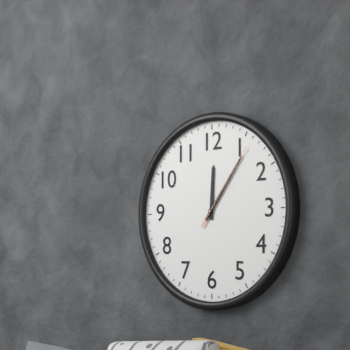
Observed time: 12h06m06s
